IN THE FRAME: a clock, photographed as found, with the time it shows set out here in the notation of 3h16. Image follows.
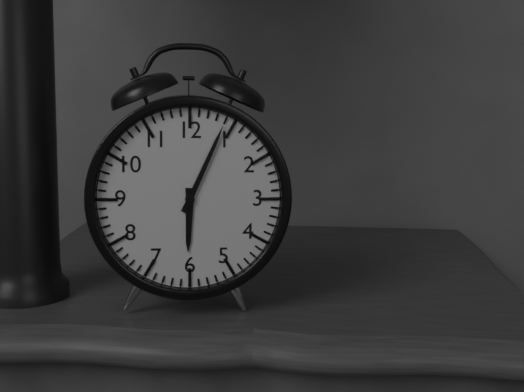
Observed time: 6h04
